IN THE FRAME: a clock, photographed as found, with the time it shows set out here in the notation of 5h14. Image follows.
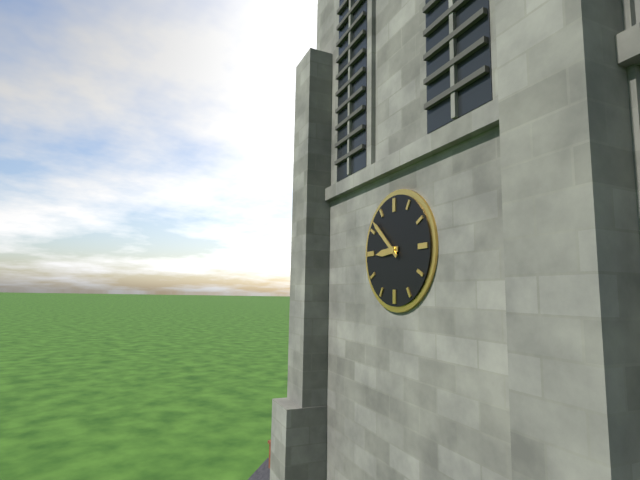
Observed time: 8h52
